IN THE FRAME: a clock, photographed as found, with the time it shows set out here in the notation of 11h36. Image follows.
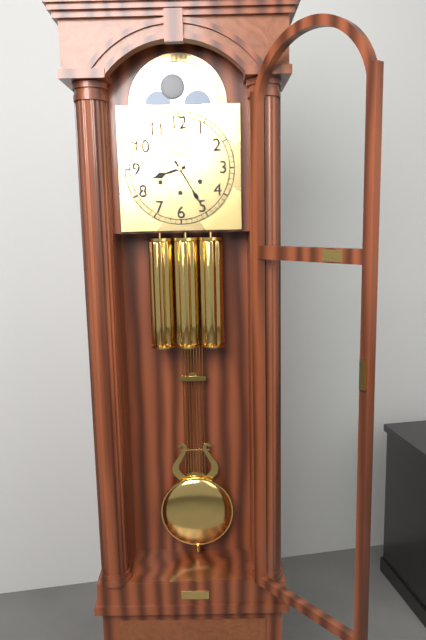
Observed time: 8h25
